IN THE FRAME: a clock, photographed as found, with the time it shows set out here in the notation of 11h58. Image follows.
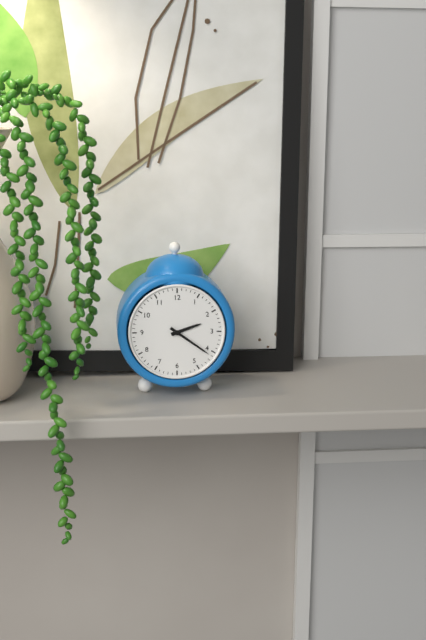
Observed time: 2h21
